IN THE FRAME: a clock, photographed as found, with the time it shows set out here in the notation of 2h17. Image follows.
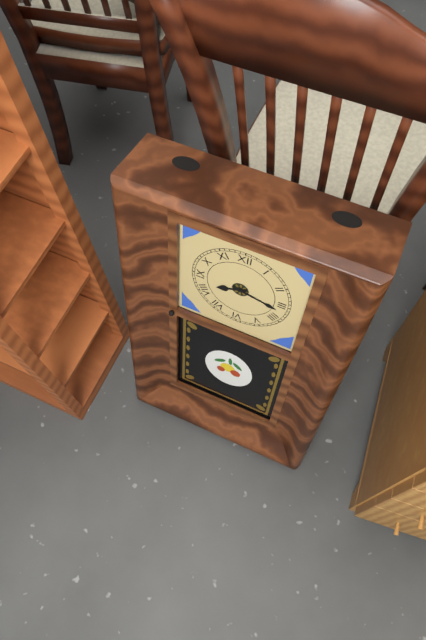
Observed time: 8h17
